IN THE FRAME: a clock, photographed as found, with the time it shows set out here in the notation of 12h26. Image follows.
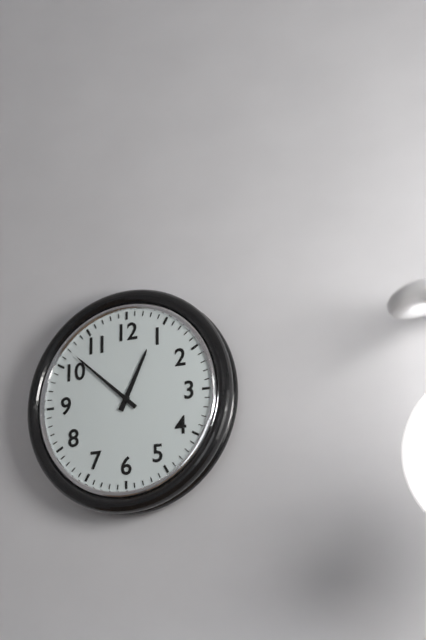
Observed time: 12h52
